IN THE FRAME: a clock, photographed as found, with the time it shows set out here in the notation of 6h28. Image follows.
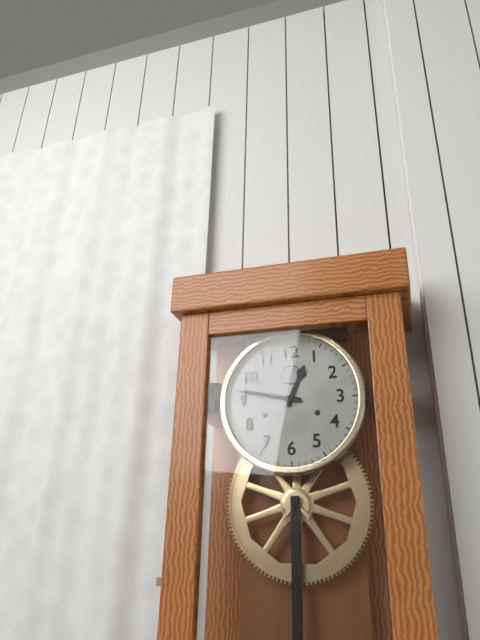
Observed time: 12h47
